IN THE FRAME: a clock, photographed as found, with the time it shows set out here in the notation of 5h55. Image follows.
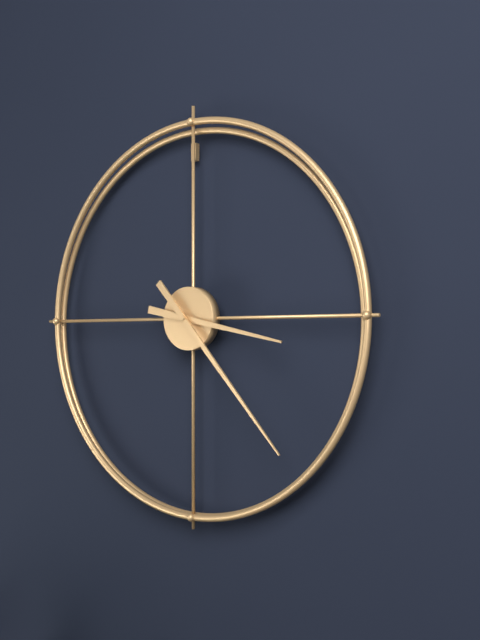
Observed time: 3h23
